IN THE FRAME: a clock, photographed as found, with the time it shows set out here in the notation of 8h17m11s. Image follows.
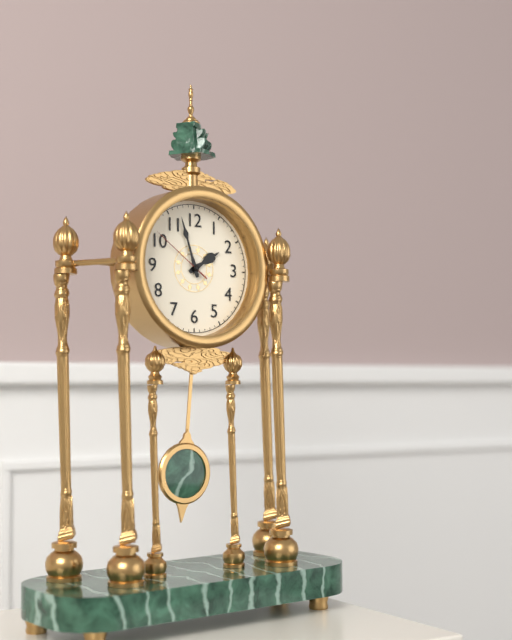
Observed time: 1h57m51s
